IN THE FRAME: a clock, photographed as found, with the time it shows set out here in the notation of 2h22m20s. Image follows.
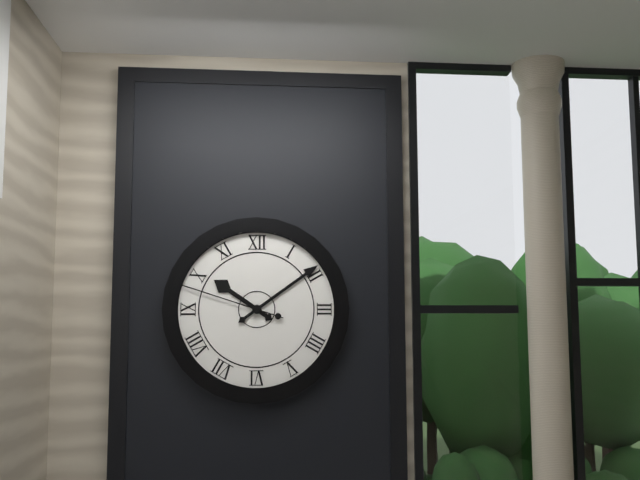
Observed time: 10h09m48s
